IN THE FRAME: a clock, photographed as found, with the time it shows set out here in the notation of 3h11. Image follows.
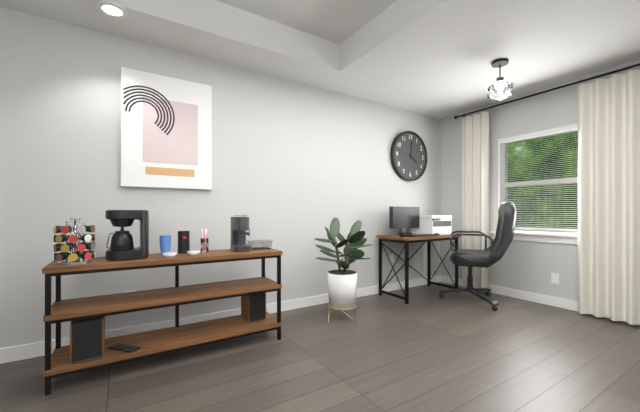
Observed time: 4h01
